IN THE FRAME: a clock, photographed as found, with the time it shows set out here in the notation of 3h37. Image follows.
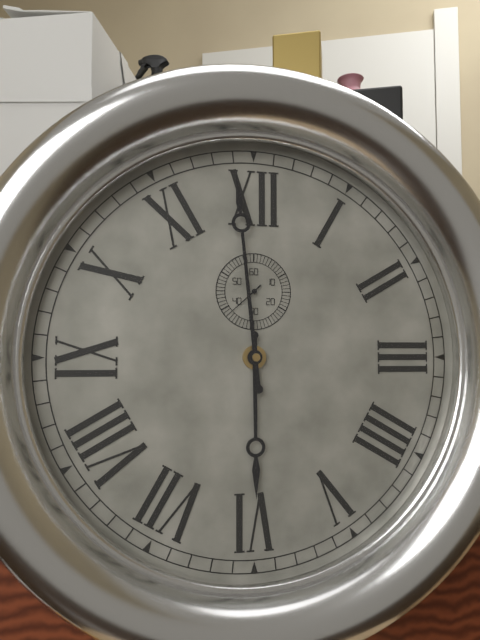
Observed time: 5h59
